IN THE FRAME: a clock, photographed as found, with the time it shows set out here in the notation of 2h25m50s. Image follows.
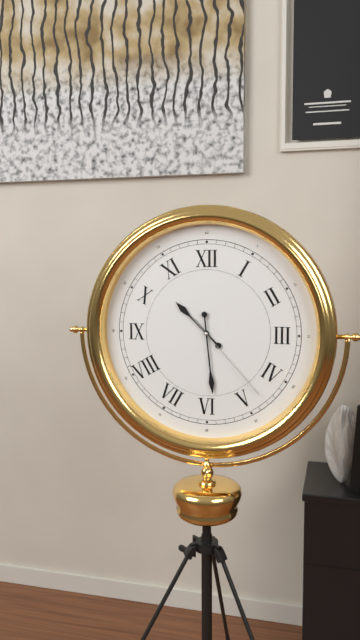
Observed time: 10h29m23s
